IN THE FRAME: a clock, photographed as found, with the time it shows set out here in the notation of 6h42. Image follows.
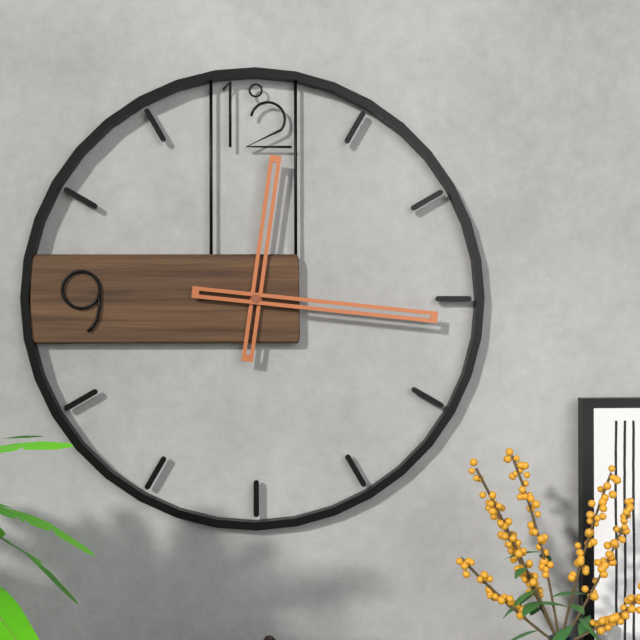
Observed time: 12h16
